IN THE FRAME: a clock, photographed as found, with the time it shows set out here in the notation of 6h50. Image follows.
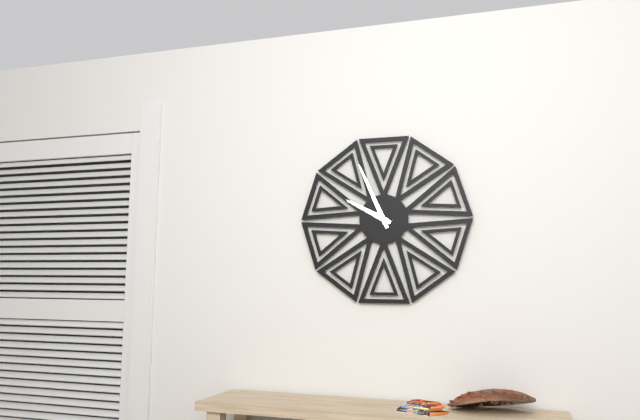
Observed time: 9h56
